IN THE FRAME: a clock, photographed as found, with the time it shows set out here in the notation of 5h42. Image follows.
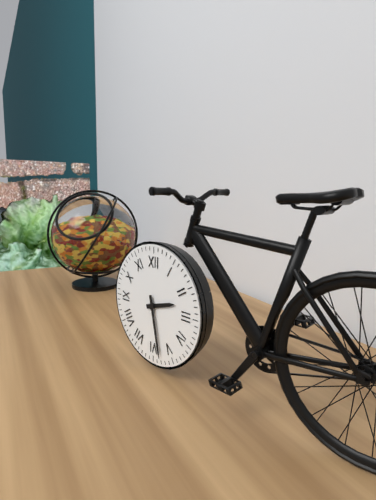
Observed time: 2h28
